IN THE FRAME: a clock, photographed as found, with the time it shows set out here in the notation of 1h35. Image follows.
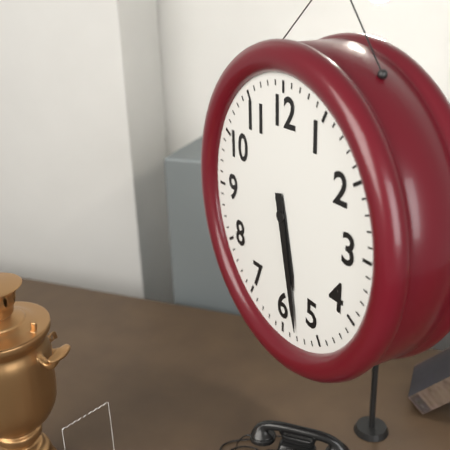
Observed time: 5h28
